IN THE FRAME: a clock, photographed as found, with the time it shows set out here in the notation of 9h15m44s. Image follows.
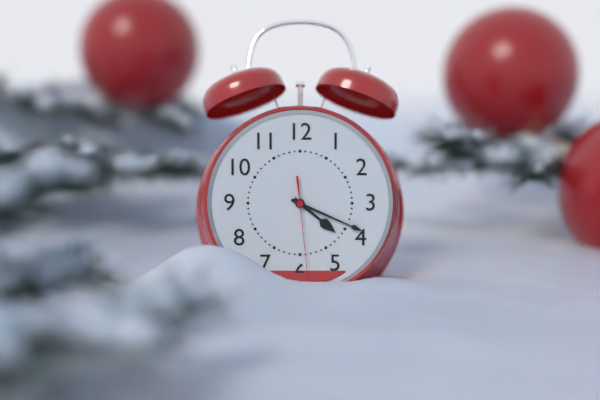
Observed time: 4h19m29s
